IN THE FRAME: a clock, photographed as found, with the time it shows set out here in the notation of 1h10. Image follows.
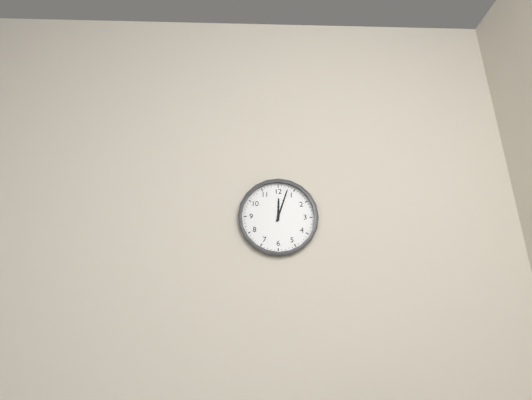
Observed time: 12h03
